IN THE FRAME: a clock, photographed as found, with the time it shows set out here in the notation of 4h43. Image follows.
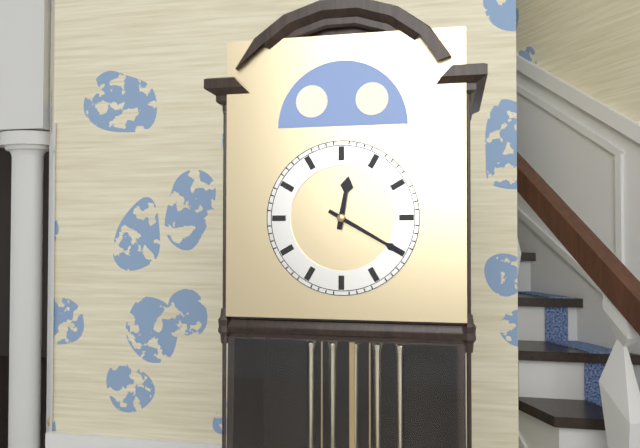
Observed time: 12h20
